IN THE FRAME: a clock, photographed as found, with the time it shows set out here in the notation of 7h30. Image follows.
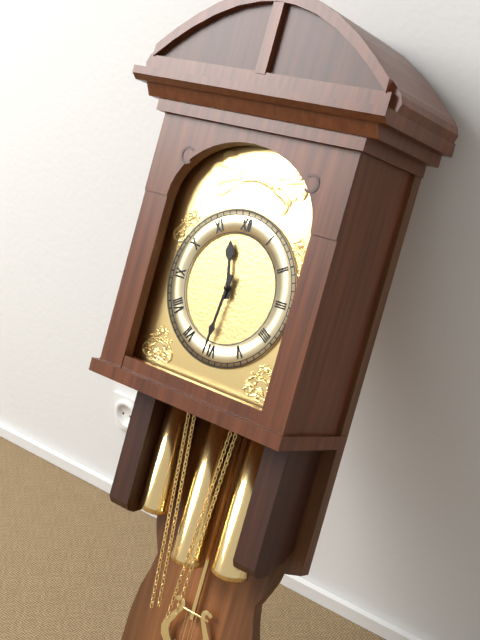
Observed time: 11h31
